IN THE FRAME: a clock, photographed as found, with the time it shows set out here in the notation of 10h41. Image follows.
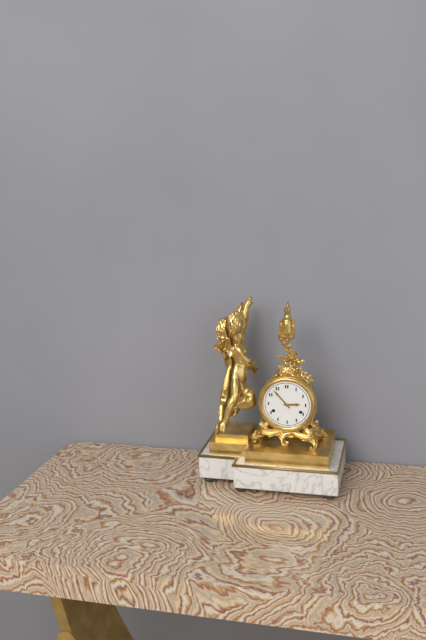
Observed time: 2h53
